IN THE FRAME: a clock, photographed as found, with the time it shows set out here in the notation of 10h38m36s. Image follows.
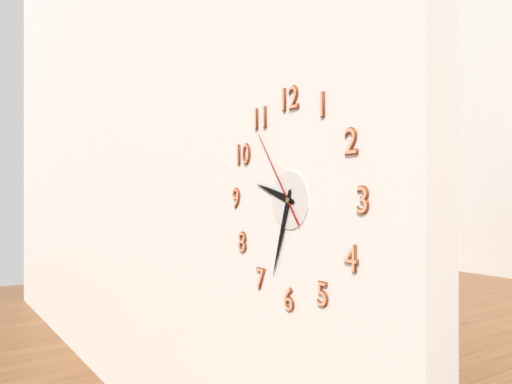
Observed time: 9h33m54s
